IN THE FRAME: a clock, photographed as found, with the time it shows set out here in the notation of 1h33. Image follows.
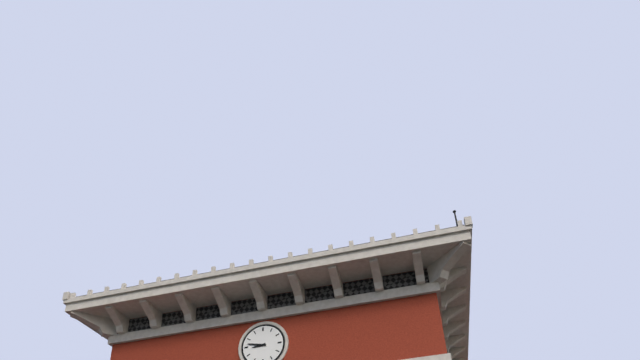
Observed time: 8h47
